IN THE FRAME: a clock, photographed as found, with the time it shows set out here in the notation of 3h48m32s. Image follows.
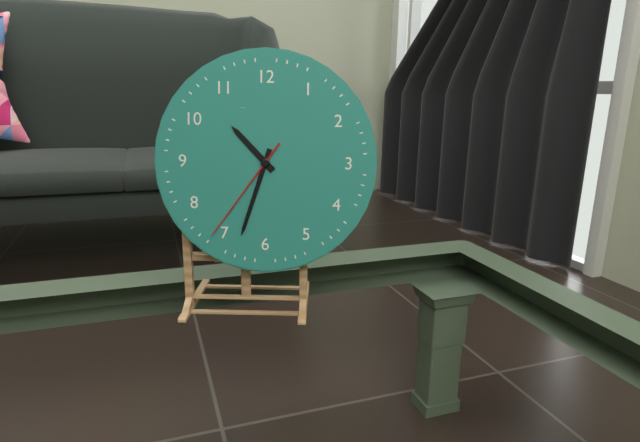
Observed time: 10h33m36s
